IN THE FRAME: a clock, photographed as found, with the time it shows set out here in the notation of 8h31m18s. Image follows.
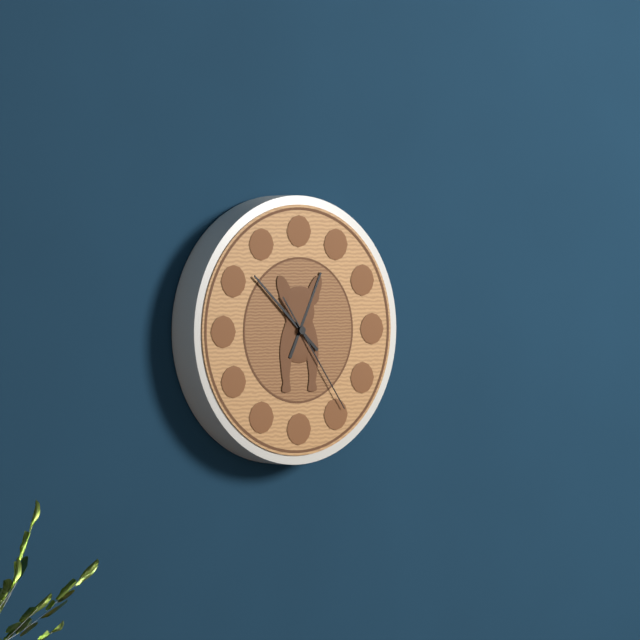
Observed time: 12h52m24s
